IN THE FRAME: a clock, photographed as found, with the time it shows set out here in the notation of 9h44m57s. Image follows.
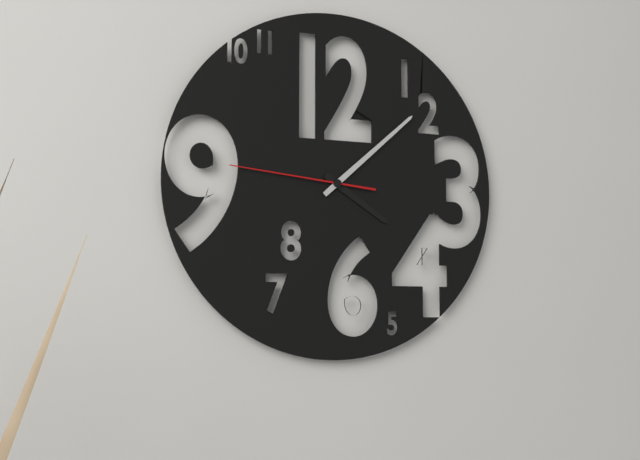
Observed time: 4h08m46s
